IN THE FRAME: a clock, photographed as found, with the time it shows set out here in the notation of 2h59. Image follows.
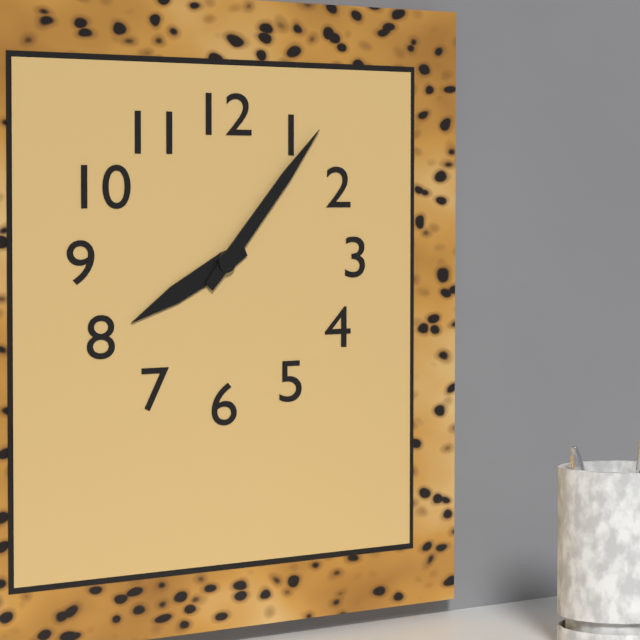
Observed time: 8h07
